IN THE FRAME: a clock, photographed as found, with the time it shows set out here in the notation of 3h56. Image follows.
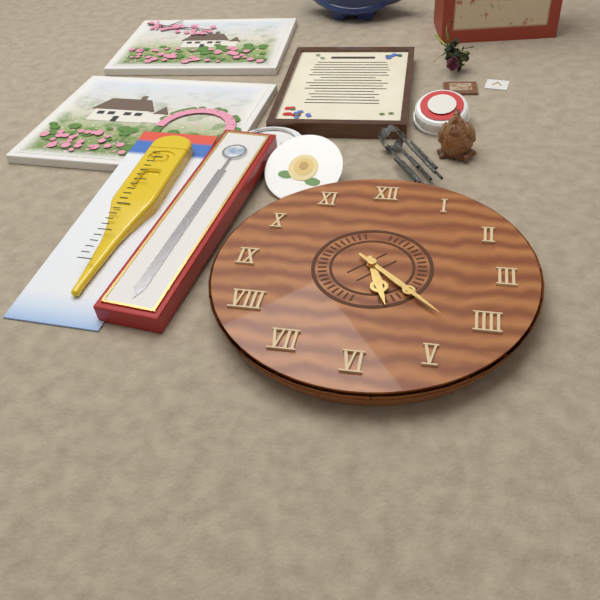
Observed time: 5h22
